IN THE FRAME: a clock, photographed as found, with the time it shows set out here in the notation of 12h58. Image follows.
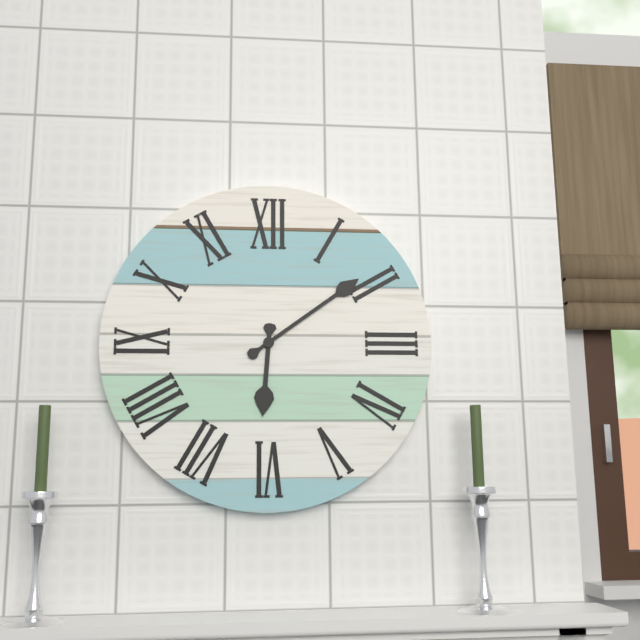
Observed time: 6h09
